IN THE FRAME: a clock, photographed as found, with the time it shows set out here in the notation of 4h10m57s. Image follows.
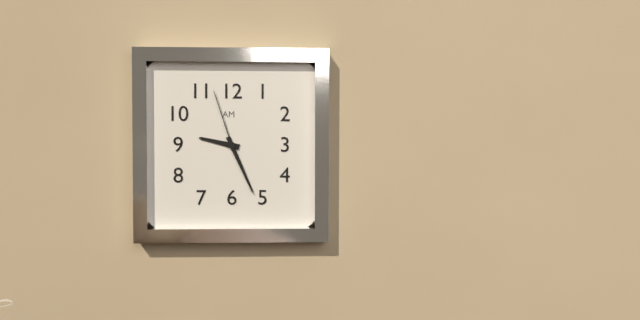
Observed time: 9h26m57s
